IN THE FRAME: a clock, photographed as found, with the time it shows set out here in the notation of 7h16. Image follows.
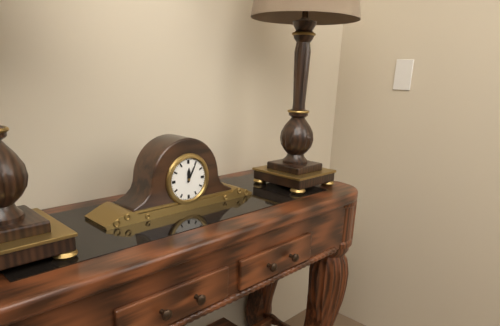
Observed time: 12h05
